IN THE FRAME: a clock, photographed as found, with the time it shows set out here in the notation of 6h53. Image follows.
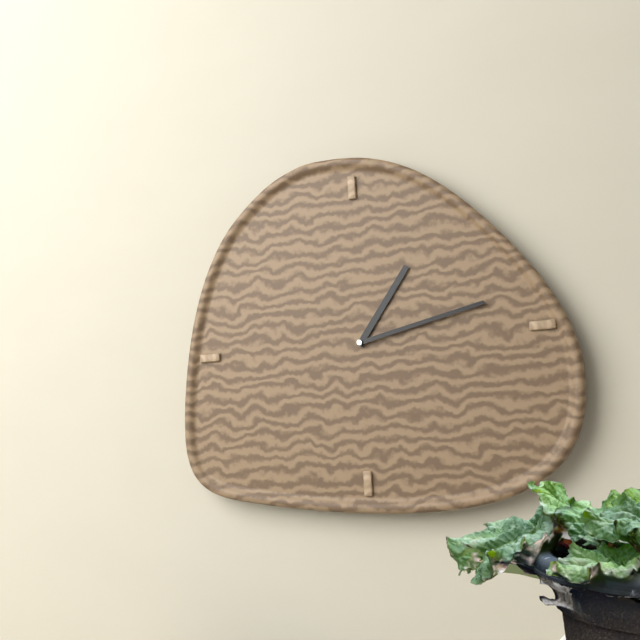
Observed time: 1h13
